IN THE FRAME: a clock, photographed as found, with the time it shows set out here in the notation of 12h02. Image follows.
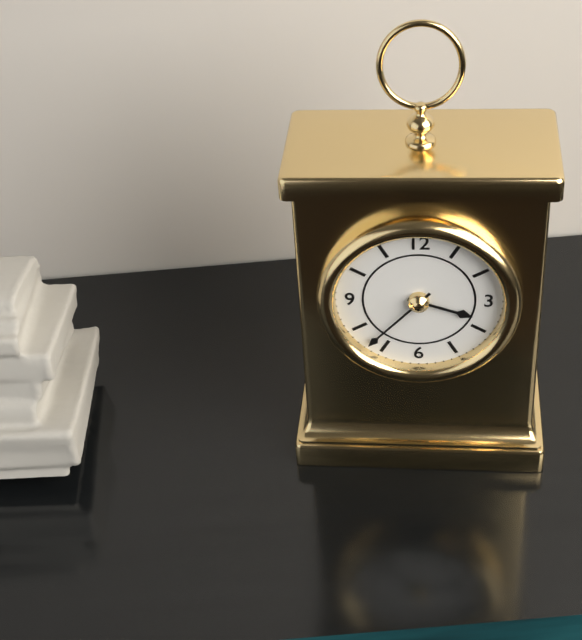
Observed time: 3h37
